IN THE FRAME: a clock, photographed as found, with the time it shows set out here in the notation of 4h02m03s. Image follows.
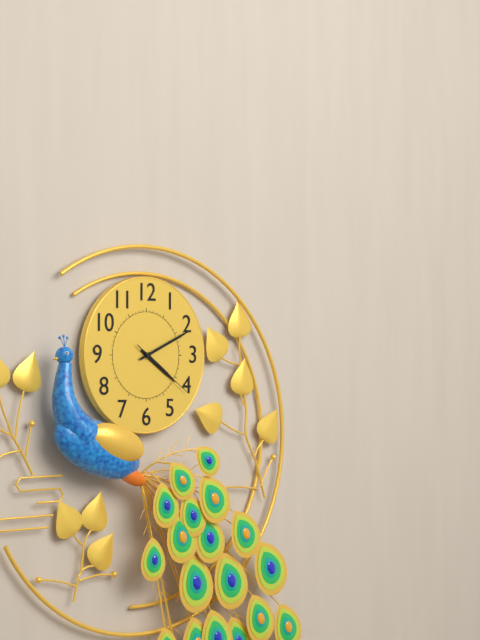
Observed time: 4h11m21s
